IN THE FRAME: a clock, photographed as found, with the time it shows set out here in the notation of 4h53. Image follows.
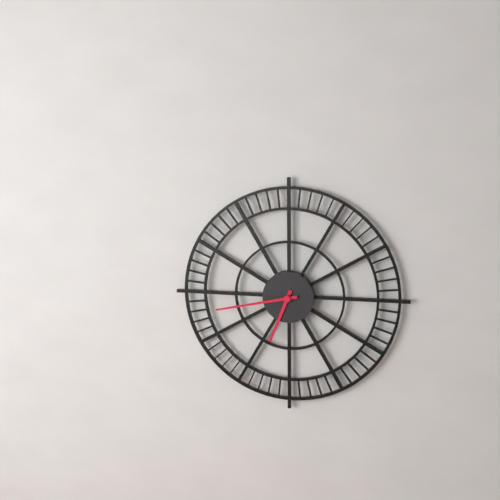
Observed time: 6h43
